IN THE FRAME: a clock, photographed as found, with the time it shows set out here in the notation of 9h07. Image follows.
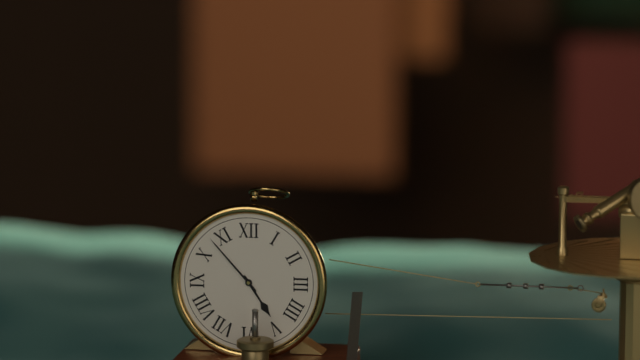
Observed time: 4h53
